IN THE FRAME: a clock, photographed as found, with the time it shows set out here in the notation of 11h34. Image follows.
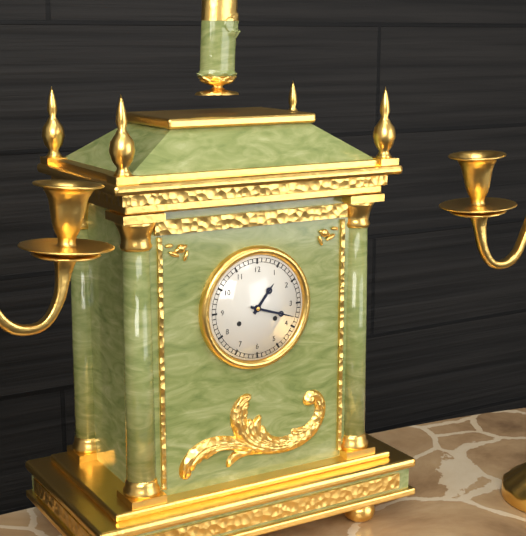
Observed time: 1h18
